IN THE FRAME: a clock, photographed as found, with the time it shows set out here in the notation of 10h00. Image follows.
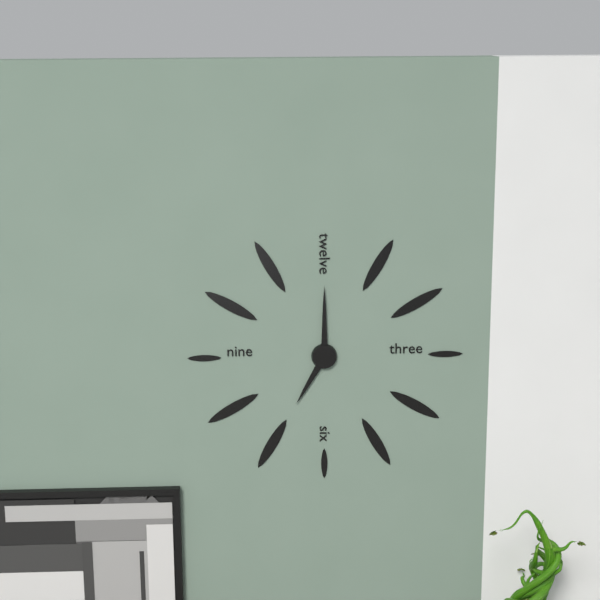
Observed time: 7h00
